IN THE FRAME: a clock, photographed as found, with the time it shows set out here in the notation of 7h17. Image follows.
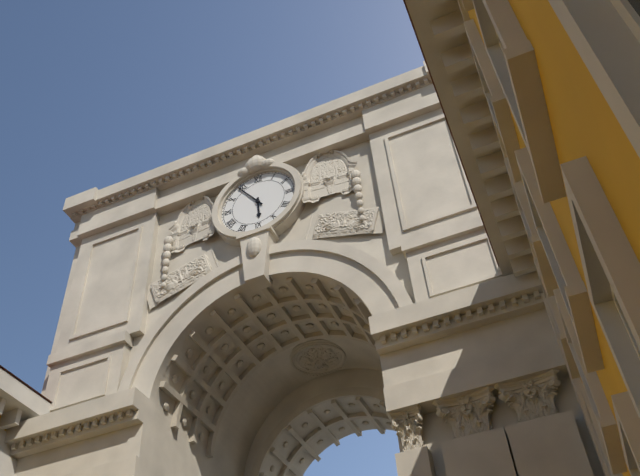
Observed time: 5h54
